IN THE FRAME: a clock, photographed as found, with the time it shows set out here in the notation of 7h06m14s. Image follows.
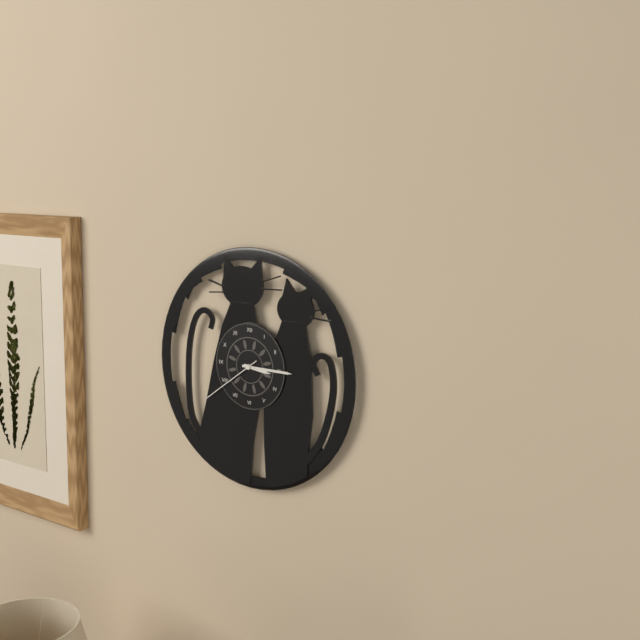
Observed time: 3h15m39s
